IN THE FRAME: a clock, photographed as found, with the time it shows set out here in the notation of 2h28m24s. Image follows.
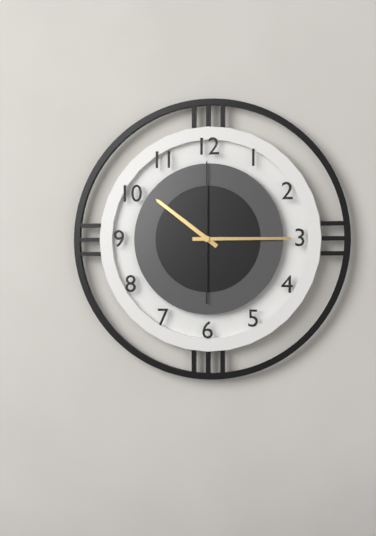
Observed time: 10h15m00s
